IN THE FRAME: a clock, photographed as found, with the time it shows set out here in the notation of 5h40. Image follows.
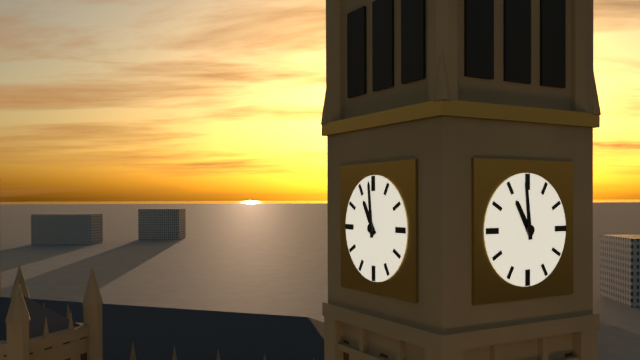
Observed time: 10h59
